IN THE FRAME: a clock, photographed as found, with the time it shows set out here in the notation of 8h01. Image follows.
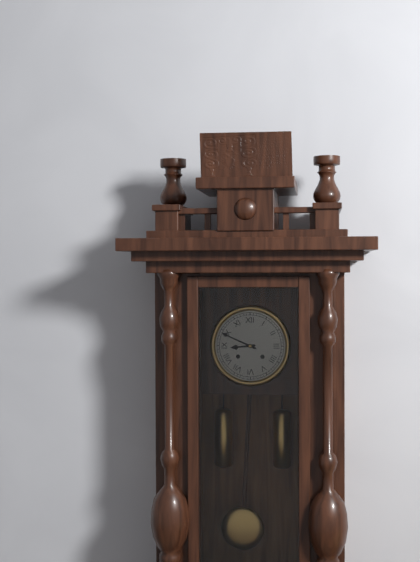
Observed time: 8h49
